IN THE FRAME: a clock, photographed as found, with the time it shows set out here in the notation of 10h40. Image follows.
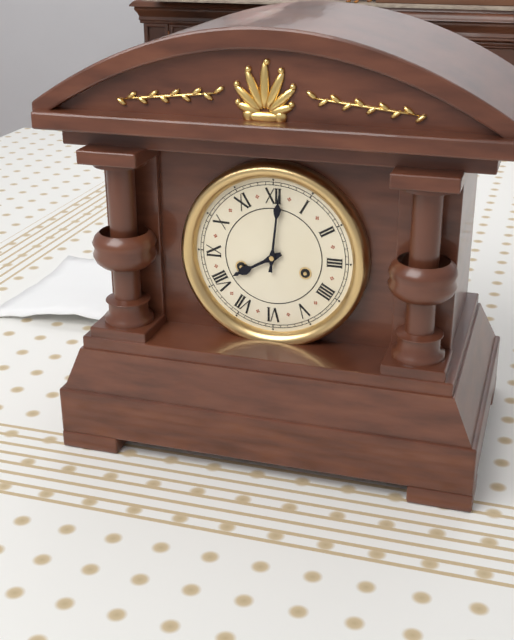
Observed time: 8h01
